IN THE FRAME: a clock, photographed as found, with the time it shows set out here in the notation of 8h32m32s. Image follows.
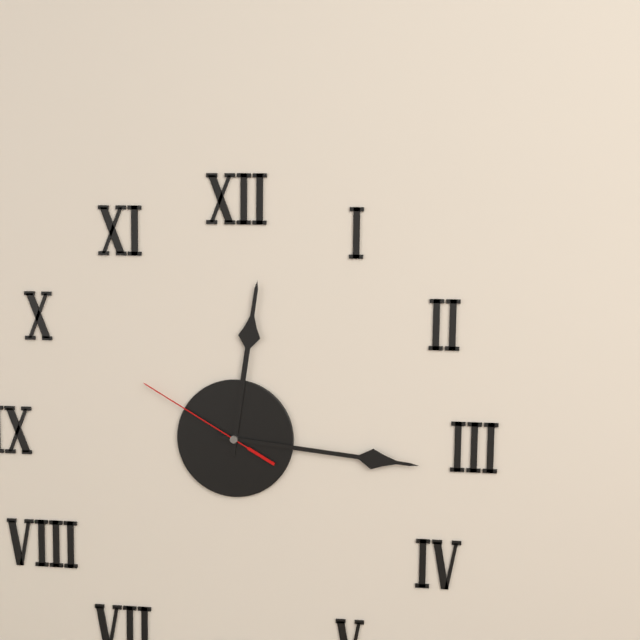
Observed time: 12h16m50s
